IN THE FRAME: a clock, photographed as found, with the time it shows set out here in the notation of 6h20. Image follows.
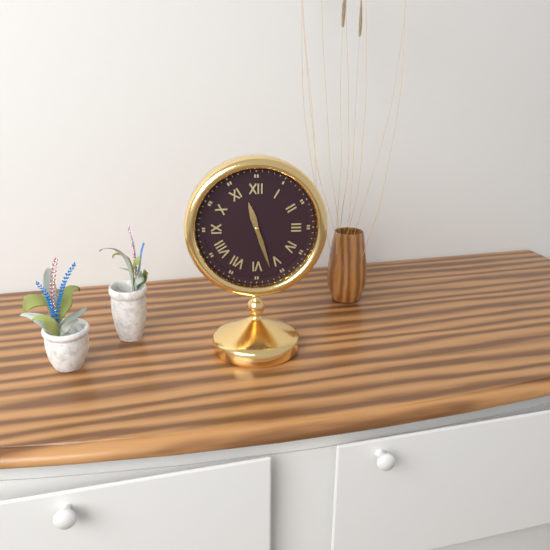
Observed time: 11h27
